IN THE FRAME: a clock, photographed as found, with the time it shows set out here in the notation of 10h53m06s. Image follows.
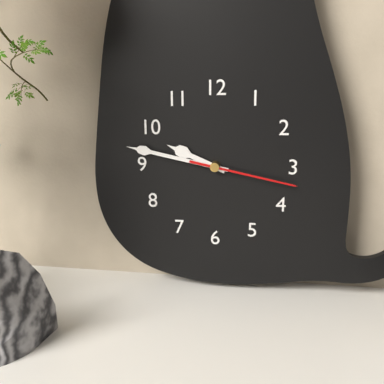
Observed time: 9h47m17s
